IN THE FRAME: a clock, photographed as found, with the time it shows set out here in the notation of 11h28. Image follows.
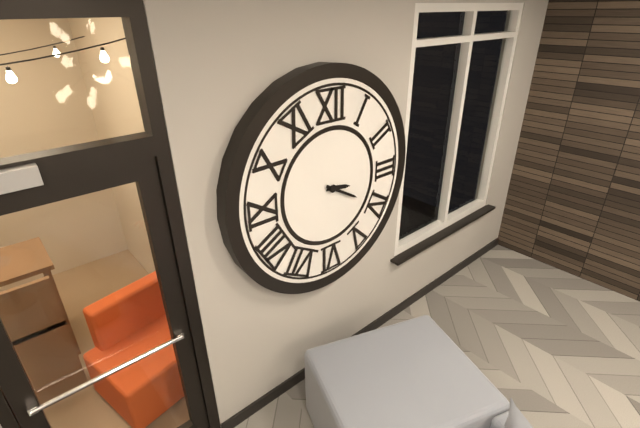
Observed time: 3h20
